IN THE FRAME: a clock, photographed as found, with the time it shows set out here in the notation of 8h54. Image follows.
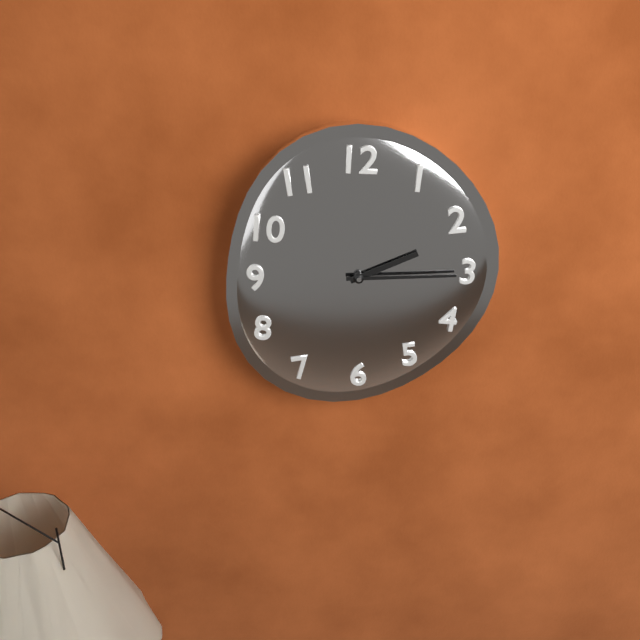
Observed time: 2h15
